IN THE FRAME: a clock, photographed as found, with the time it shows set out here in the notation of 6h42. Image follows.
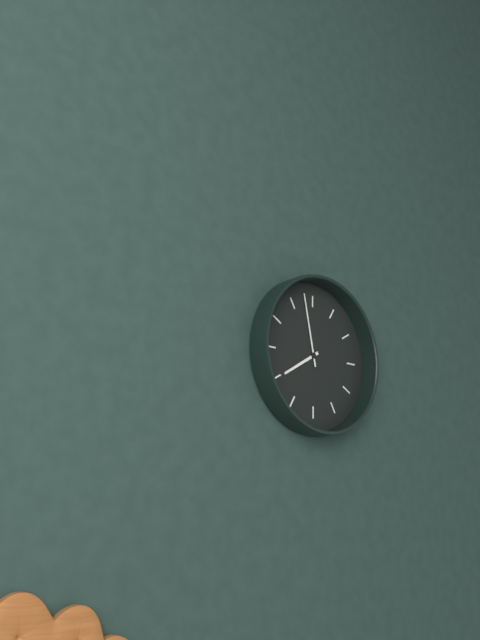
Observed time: 7h58
